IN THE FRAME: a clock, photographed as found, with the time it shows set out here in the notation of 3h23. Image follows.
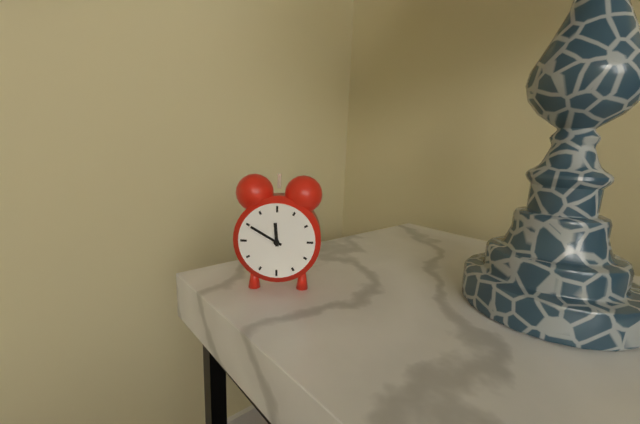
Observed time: 11h50
